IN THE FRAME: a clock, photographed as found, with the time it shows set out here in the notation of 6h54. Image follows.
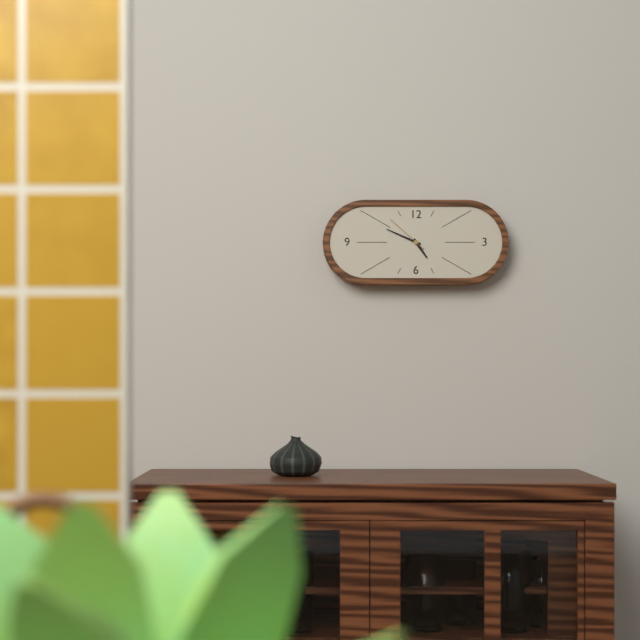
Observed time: 4h49
